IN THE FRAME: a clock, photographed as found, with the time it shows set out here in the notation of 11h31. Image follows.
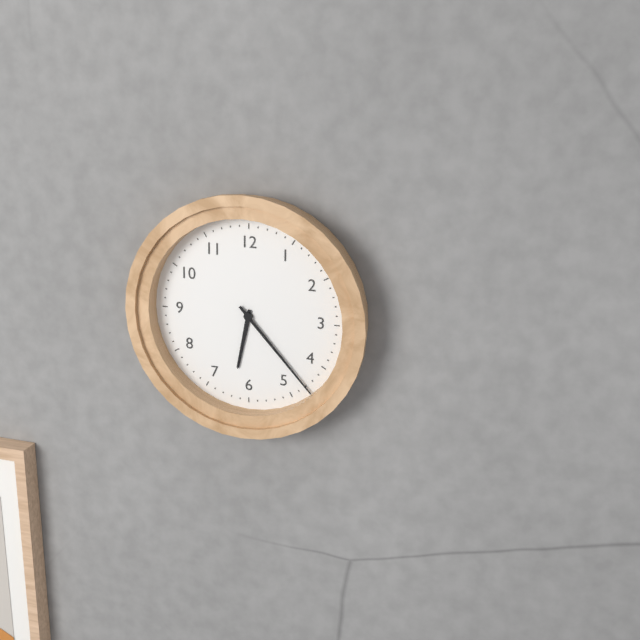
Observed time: 6h23
